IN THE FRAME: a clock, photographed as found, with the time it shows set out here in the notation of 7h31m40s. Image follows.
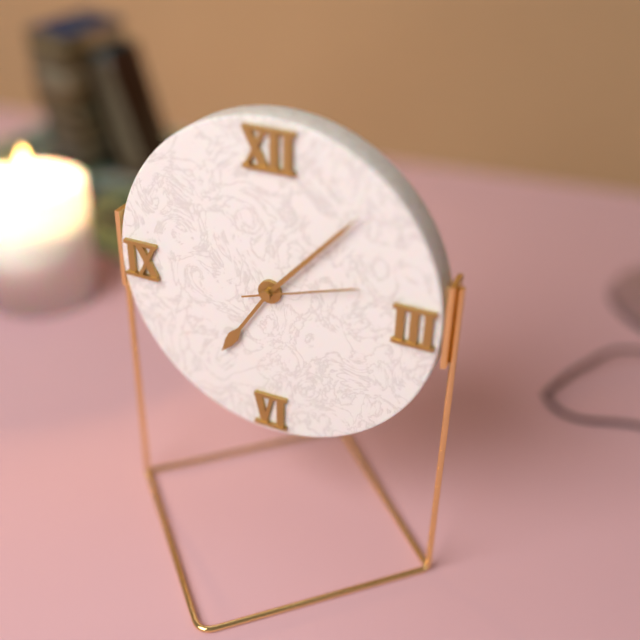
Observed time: 7h07m12s
